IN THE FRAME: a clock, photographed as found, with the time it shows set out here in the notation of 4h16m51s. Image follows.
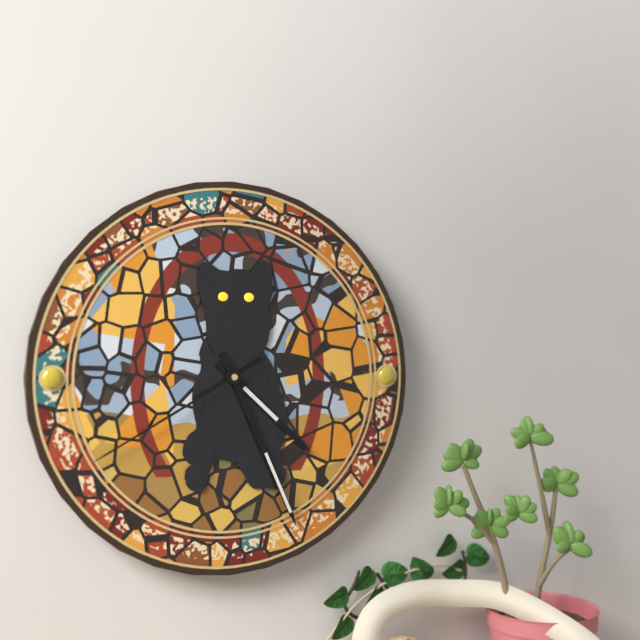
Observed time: 4h26m40s
